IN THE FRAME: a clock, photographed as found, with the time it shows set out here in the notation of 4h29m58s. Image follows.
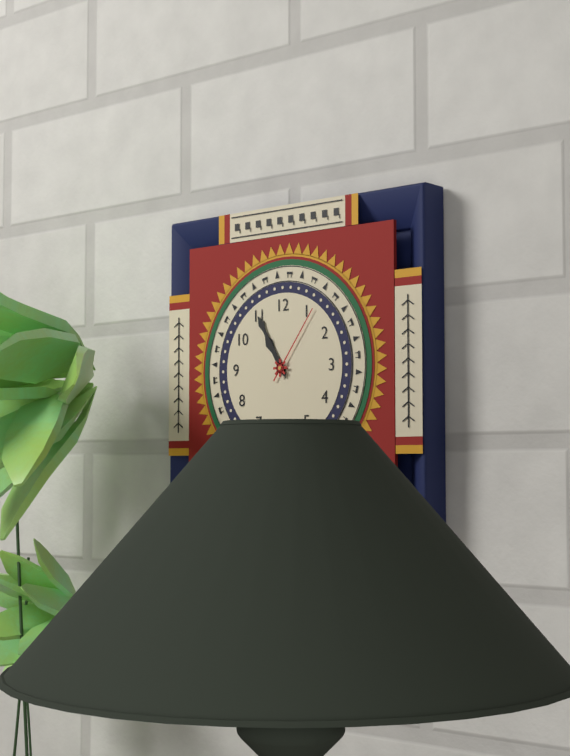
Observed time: 10h55m06s
